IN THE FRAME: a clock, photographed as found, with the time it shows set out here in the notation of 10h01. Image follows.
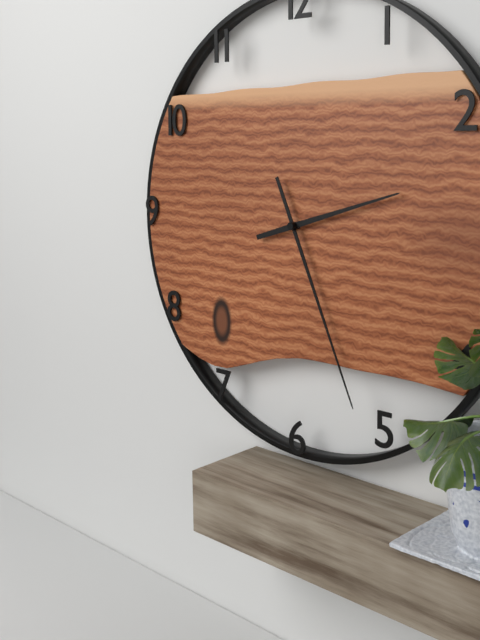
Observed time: 2h26
